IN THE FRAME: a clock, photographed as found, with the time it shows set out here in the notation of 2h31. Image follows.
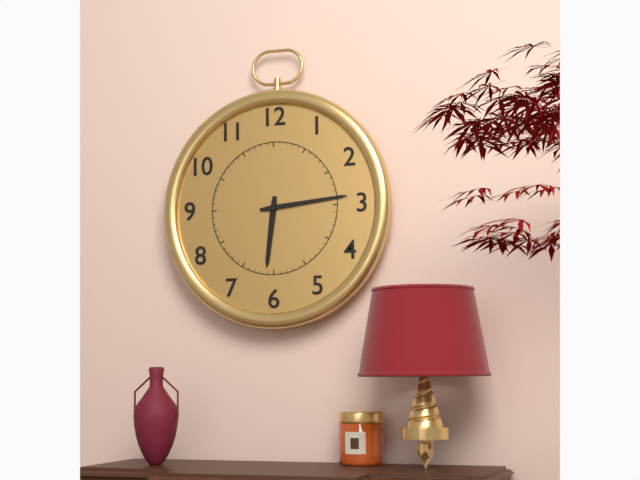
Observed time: 6h14
